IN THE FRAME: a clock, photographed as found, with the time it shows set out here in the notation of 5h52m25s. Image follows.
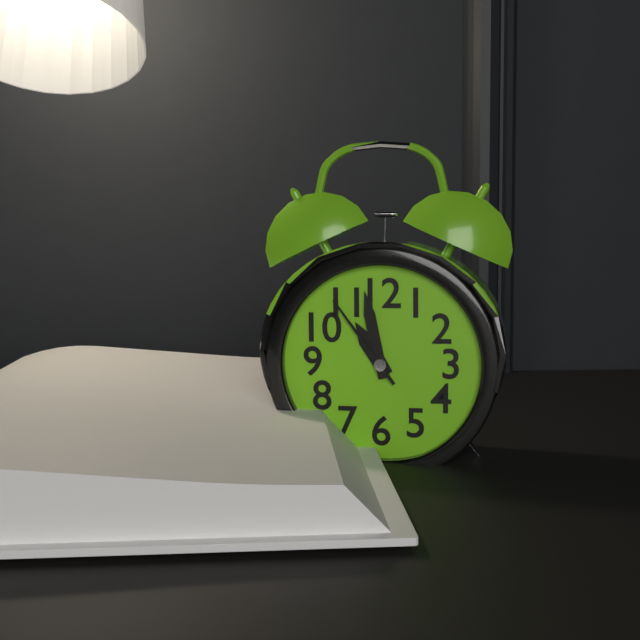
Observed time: 10h58m54s
